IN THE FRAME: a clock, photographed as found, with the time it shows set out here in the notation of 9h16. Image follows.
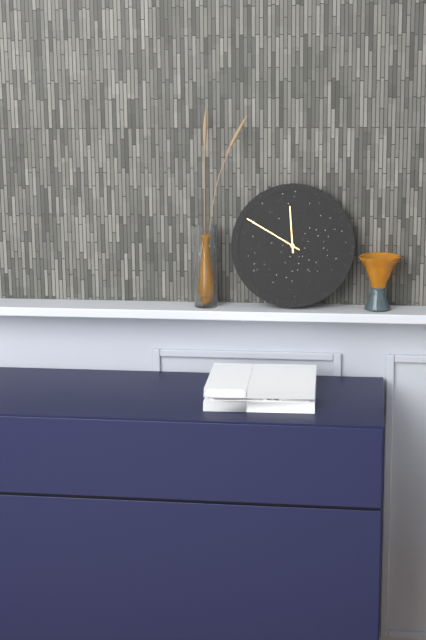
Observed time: 11h50
